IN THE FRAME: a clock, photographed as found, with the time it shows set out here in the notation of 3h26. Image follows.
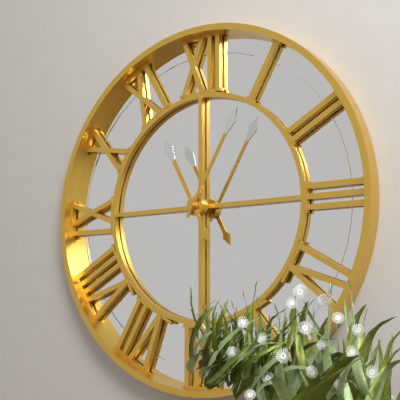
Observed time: 11h05
